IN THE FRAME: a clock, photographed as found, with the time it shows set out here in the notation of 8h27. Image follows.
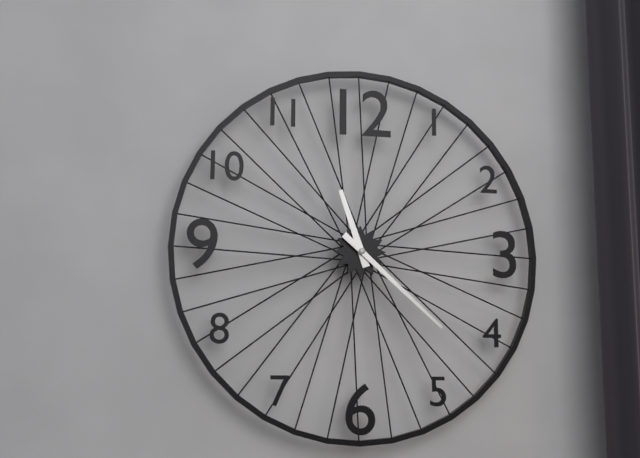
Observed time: 11h22
